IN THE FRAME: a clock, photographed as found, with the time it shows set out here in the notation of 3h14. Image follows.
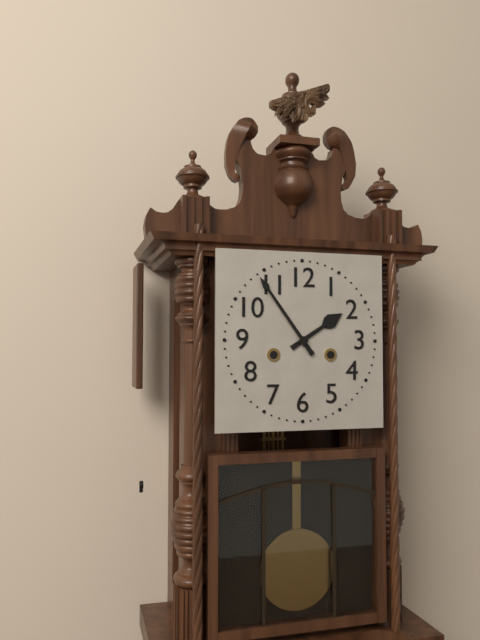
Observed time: 1h54
